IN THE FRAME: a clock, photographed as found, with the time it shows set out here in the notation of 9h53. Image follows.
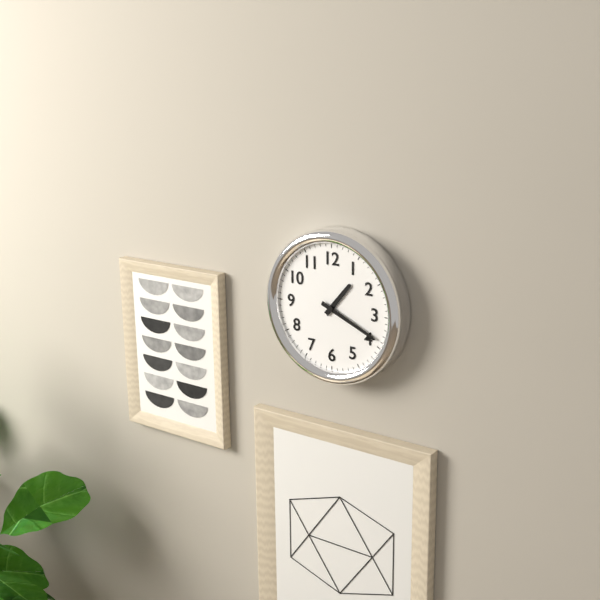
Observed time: 1h19
